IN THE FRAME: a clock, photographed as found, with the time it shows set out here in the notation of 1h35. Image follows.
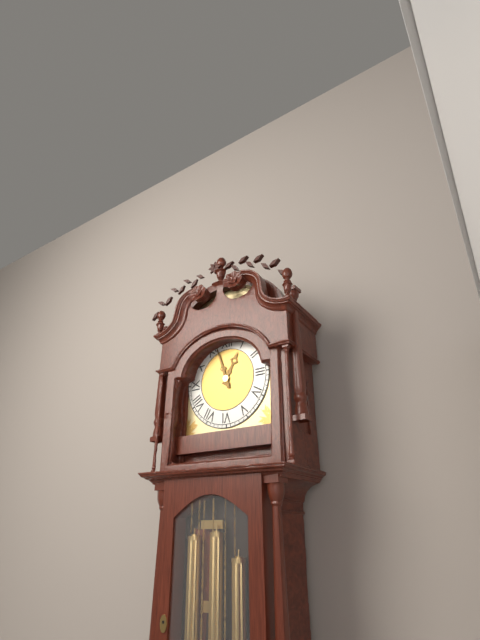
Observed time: 12h57
